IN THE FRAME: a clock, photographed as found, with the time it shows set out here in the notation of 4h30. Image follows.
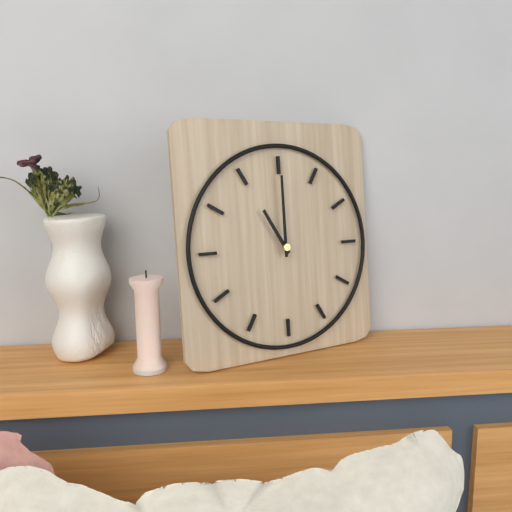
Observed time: 11h00
